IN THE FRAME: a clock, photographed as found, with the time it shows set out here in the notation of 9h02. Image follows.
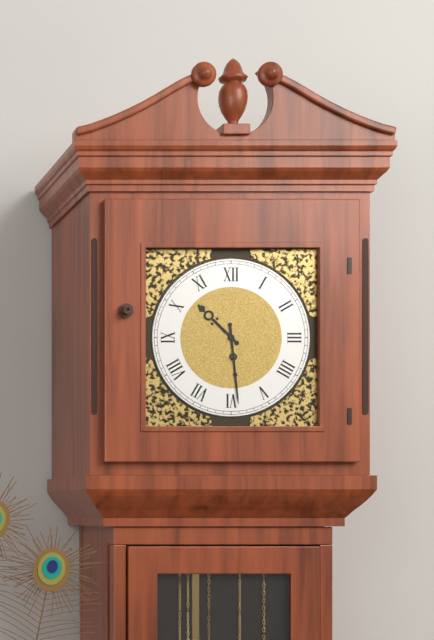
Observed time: 10h29
